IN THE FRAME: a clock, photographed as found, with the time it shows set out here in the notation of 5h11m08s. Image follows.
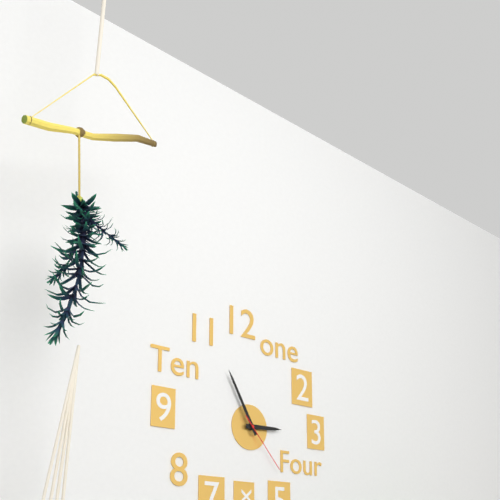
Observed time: 2h55m23s
